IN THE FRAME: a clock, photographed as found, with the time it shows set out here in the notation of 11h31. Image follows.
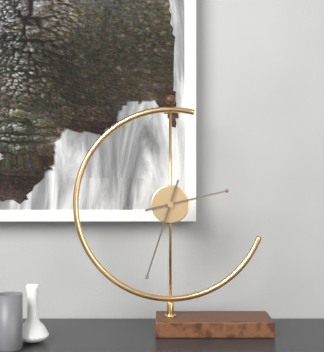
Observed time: 2h33
